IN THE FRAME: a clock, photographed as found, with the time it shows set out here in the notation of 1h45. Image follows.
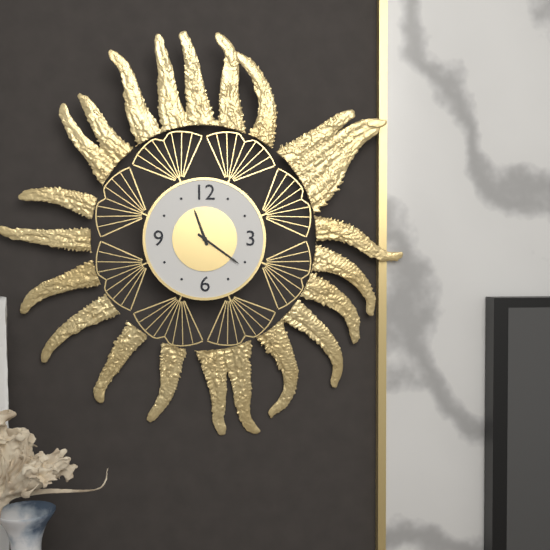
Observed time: 11h21
